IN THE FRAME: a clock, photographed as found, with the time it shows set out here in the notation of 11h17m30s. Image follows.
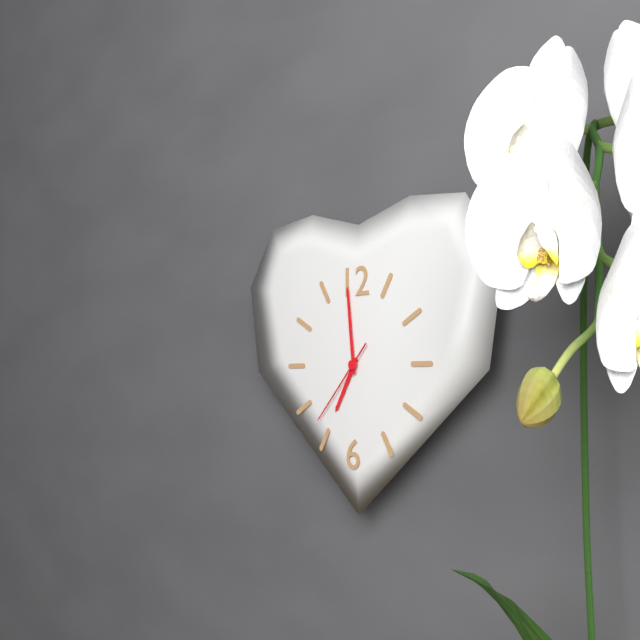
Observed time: 6h59m37s
